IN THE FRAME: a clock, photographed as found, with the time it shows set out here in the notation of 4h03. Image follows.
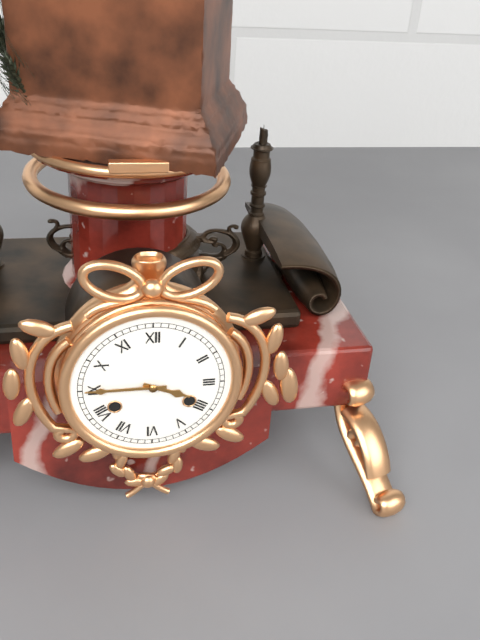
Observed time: 3h45
